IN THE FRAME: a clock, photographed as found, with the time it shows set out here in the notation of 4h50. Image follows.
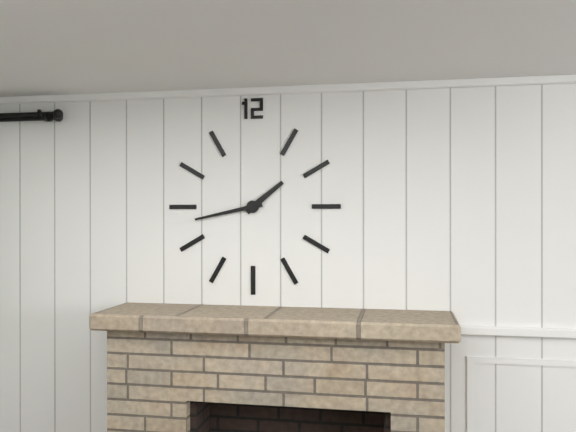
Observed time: 1h43
